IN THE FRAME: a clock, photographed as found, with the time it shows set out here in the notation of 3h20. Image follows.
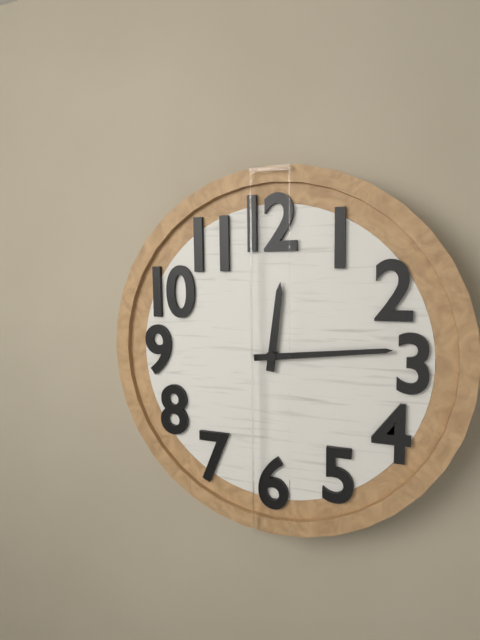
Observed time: 12h14
